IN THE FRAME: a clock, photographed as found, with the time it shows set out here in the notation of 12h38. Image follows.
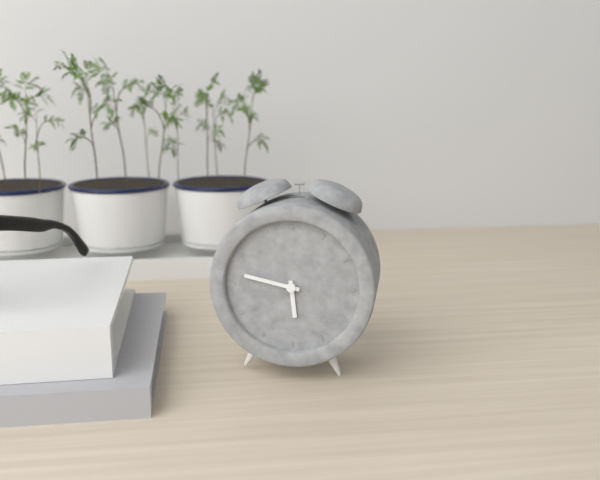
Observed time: 5h47
